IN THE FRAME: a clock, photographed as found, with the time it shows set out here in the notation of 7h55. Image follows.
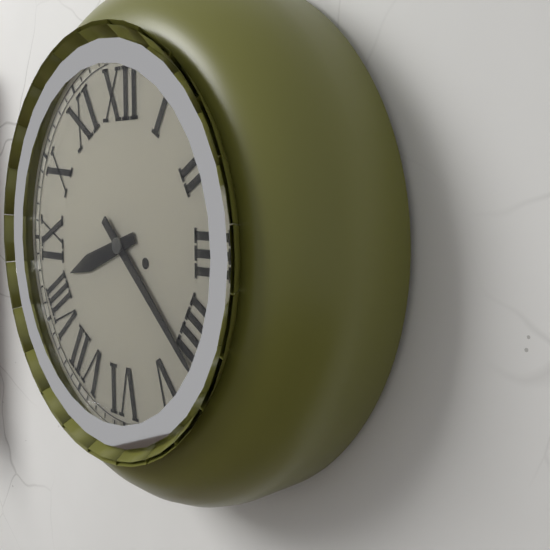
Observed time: 8h22
